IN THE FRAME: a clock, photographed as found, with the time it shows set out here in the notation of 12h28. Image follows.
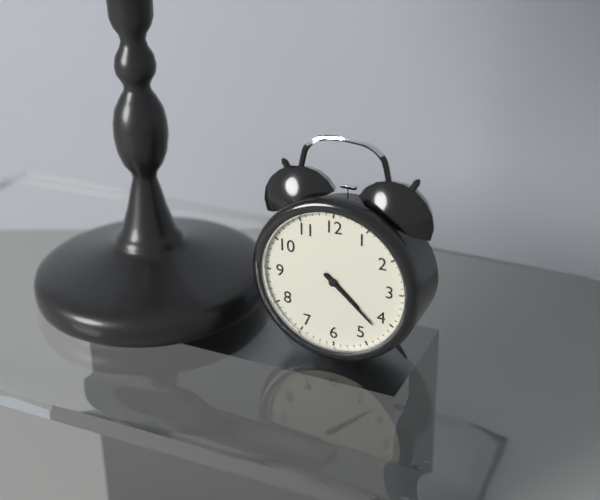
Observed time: 4h22
